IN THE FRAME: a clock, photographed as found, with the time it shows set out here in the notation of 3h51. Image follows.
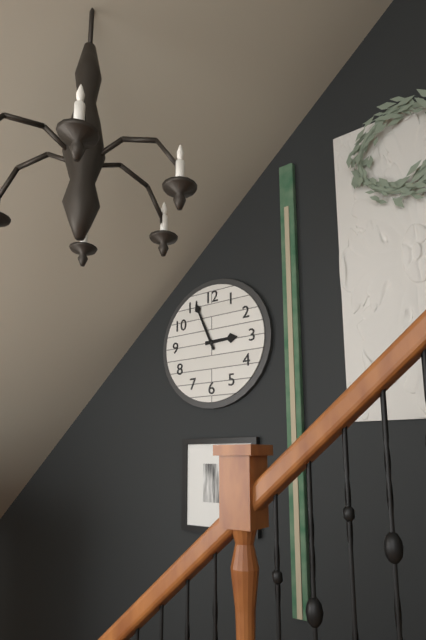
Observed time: 2h56
